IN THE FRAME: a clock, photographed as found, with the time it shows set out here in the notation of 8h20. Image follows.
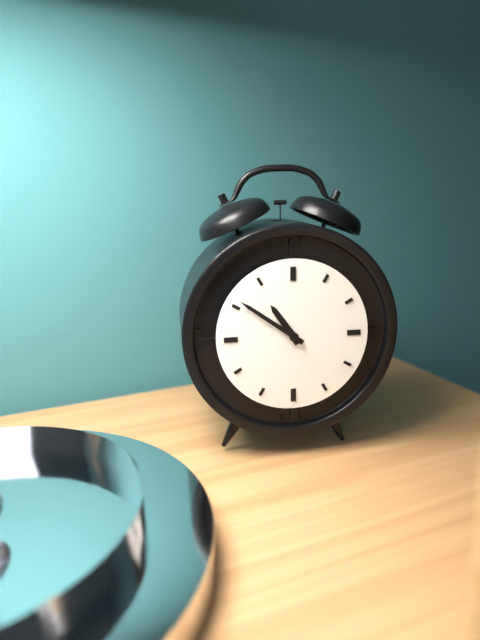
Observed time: 10h51
